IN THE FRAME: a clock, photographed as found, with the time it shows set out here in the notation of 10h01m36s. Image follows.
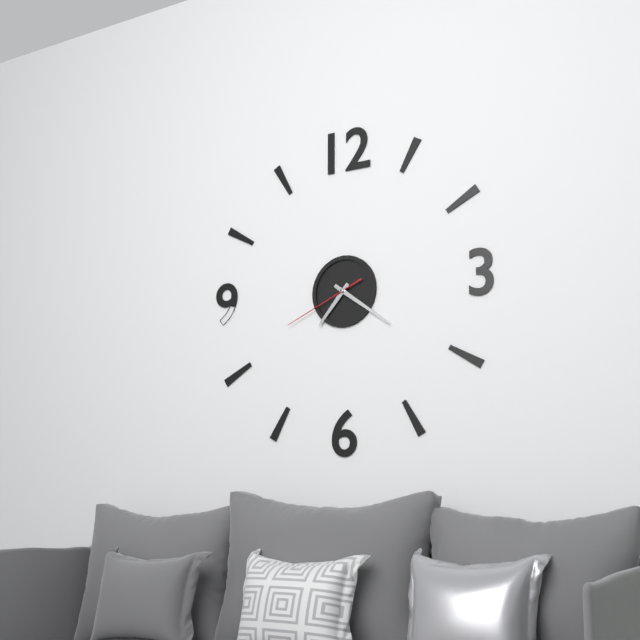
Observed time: 7h21m41s
